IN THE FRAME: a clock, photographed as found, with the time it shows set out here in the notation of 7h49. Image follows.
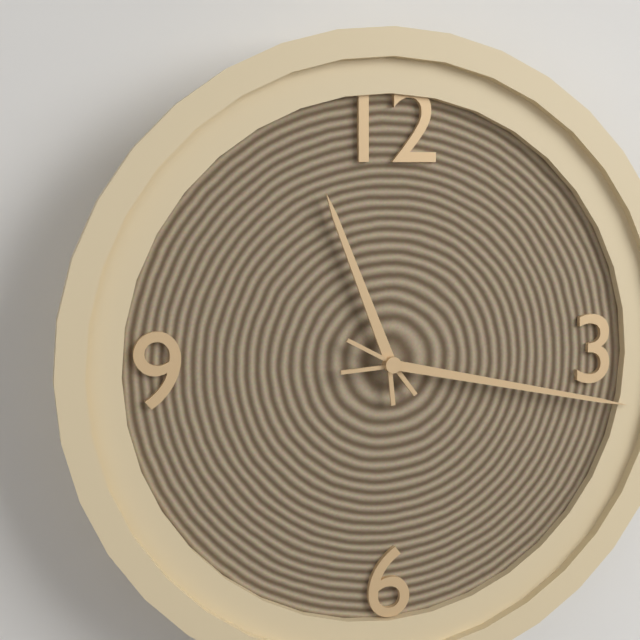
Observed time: 11h17
